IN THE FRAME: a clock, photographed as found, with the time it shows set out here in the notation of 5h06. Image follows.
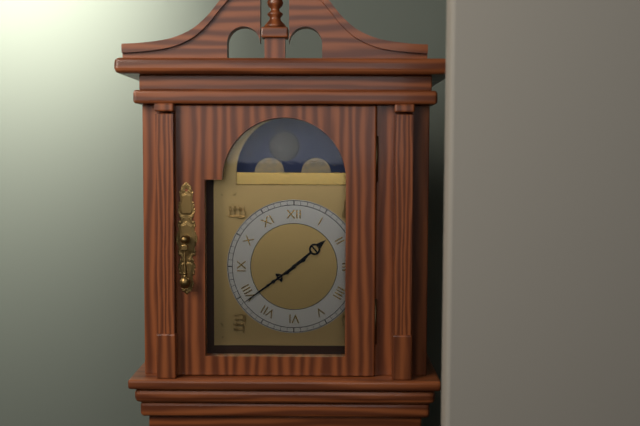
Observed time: 1h39
